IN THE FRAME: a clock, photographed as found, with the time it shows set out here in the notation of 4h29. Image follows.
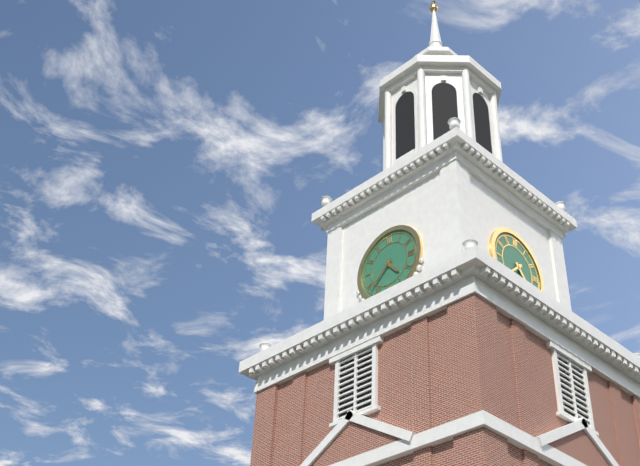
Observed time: 4h38
